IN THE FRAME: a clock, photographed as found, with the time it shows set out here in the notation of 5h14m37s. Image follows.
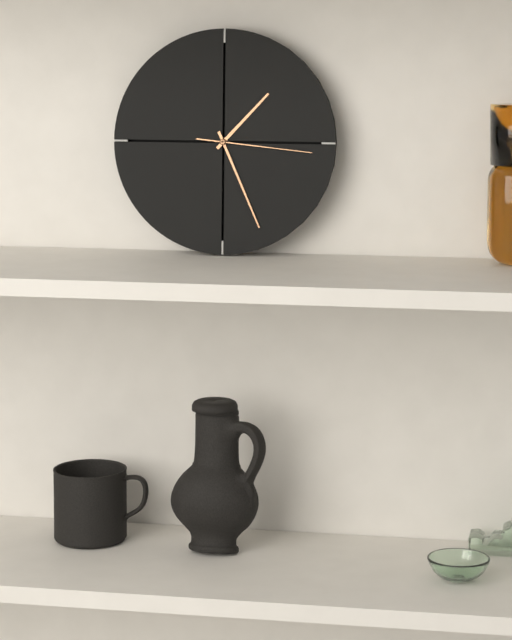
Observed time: 1h26m16s
